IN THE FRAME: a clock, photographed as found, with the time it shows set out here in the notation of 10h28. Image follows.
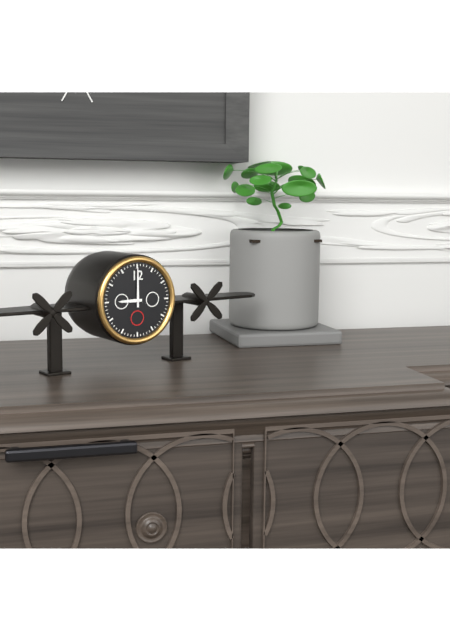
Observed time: 9h00
